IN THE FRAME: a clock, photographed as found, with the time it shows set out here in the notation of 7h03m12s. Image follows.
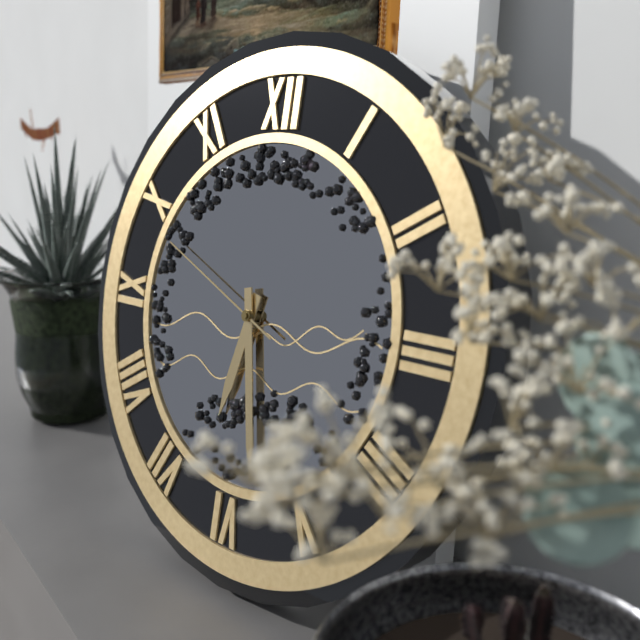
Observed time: 6h28m49s
